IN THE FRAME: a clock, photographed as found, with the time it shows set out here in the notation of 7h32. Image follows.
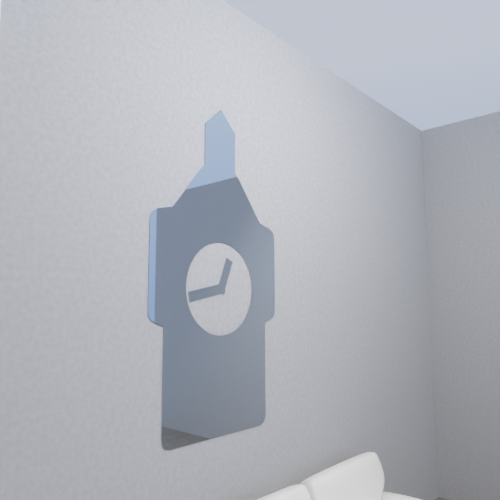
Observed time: 12h43
